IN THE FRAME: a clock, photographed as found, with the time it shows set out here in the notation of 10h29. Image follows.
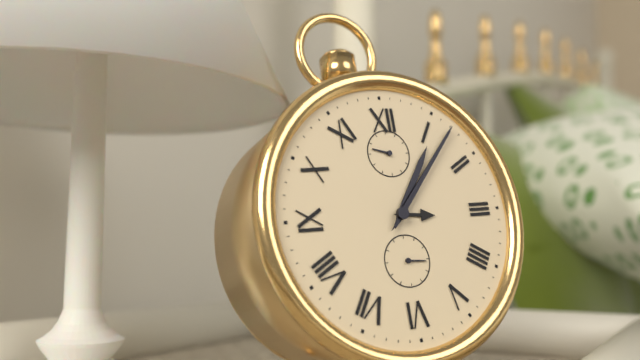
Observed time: 1h07
